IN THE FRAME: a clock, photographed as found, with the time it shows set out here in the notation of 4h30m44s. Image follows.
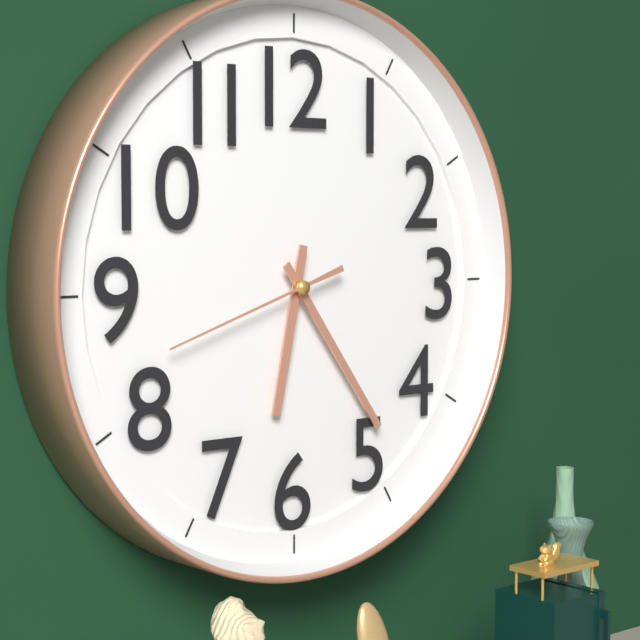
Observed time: 6h24m42s
